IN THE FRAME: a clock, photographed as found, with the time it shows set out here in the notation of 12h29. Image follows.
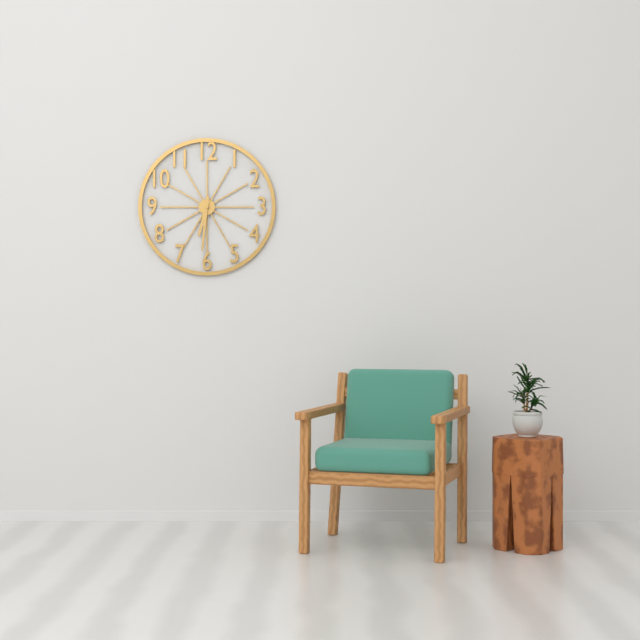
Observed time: 6h31
